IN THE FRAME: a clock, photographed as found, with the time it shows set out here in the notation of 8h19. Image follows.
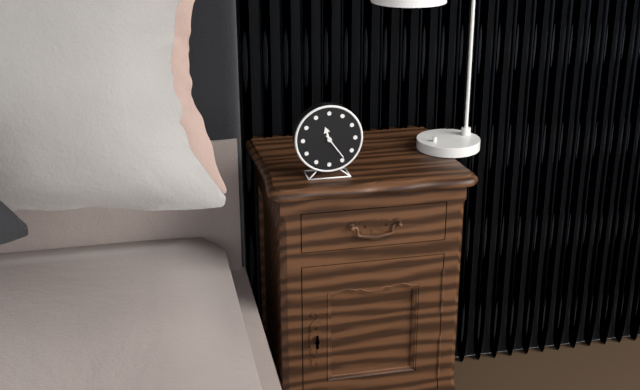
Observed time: 11h24
